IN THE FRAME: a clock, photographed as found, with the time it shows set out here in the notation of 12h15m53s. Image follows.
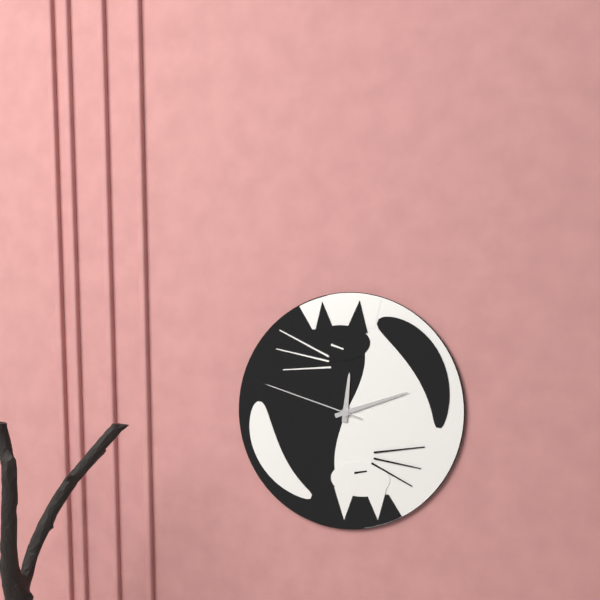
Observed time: 12h12m48s
